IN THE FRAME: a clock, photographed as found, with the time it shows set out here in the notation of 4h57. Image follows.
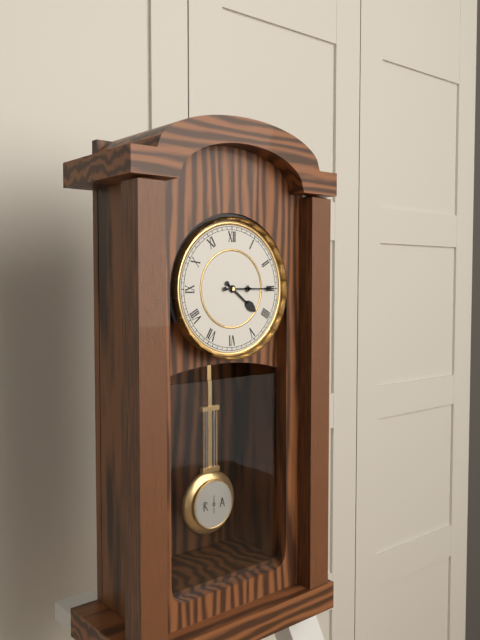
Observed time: 4h15
